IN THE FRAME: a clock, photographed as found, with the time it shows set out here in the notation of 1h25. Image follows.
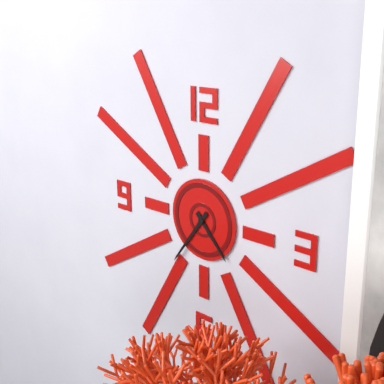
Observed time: 4h36
